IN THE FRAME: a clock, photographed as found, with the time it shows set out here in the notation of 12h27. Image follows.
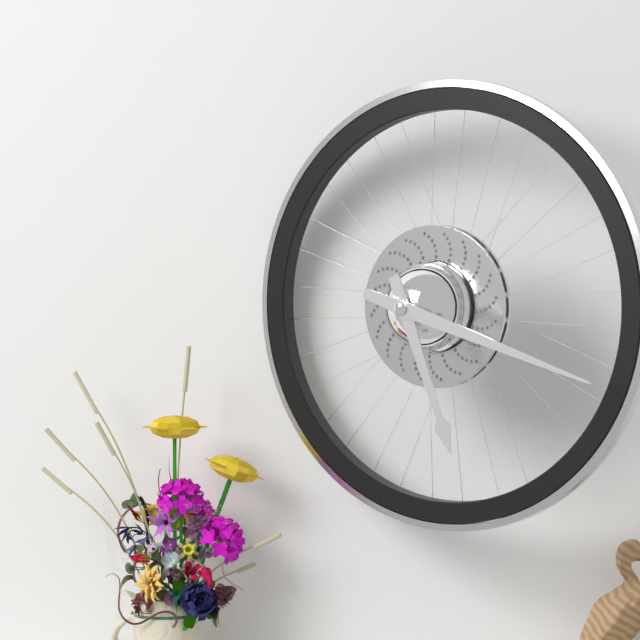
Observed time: 5h18
